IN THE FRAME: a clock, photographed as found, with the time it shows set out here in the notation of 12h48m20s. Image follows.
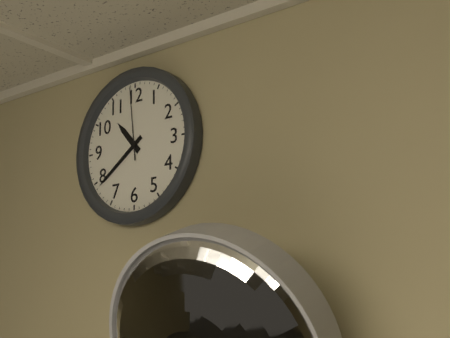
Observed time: 10h39m59s
